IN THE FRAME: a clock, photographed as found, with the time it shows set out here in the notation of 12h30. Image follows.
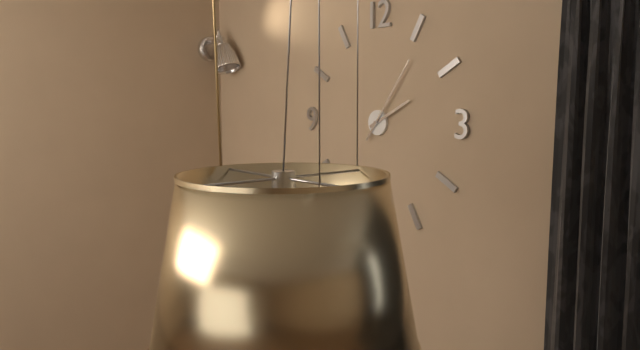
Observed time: 2h06
